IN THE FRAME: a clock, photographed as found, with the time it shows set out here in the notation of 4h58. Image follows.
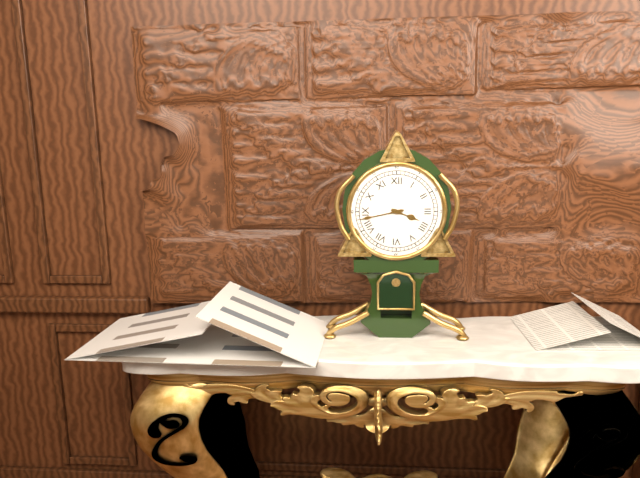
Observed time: 3h43
